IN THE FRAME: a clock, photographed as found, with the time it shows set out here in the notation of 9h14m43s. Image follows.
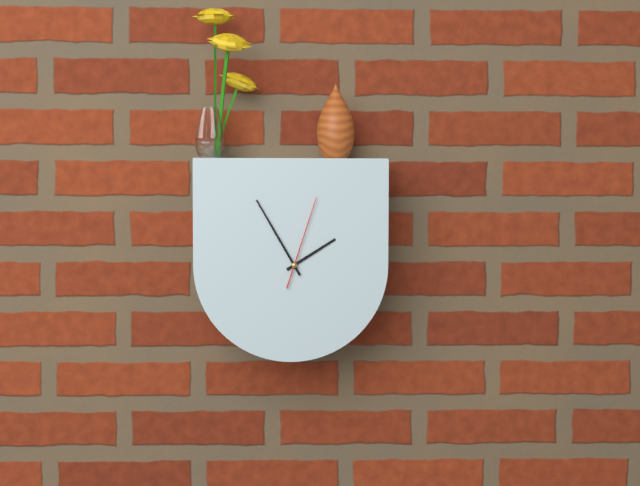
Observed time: 1h55m03s
